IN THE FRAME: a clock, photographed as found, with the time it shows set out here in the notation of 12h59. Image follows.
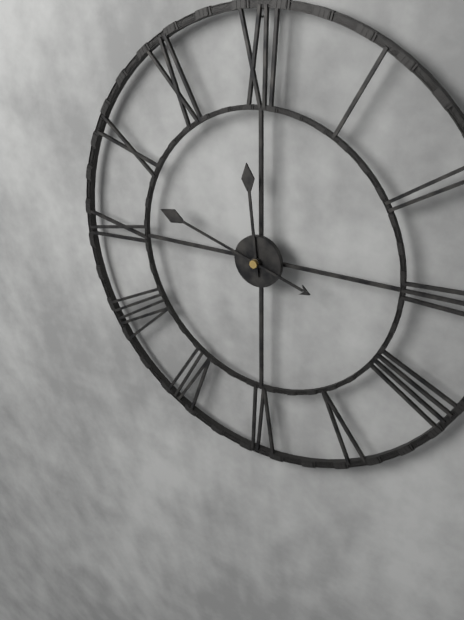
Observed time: 11h48
